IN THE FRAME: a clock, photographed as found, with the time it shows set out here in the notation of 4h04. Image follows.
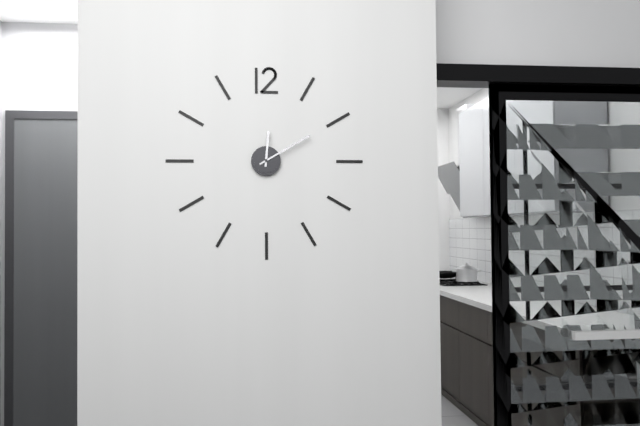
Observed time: 12h10
